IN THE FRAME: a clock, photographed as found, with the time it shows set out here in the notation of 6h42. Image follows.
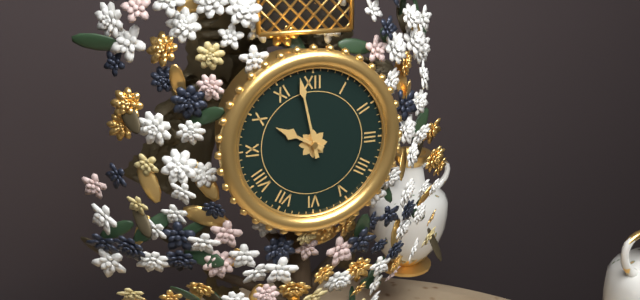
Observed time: 9h58
